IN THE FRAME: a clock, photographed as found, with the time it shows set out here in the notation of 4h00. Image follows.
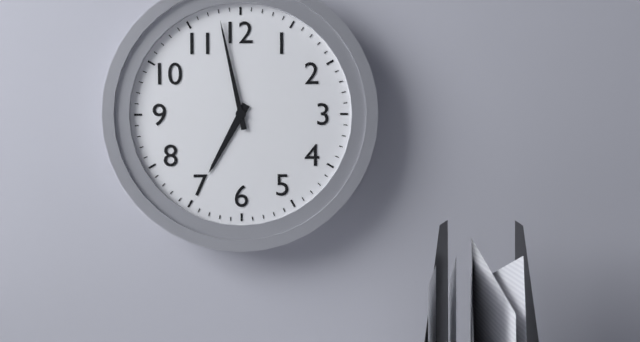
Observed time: 6h58
